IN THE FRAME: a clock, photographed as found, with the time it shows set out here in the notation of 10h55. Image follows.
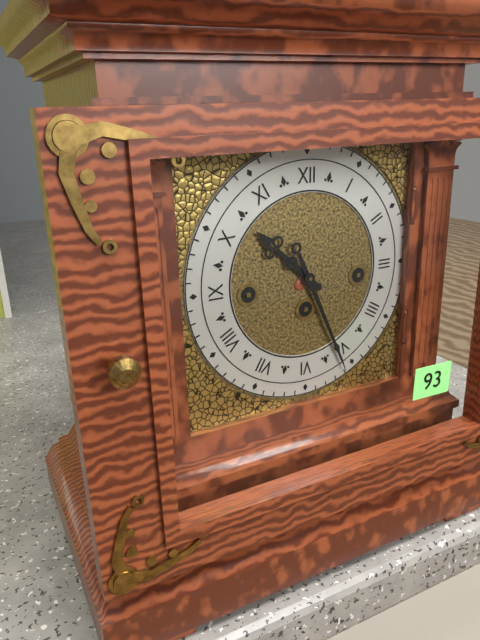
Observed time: 10h26
